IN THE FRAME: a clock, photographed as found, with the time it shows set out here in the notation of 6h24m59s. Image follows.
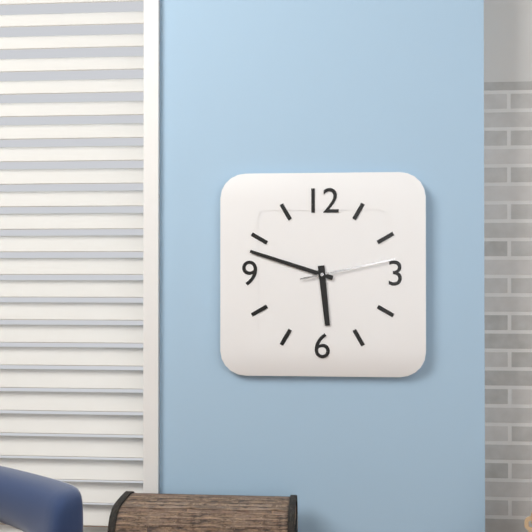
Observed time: 5h48m13s
